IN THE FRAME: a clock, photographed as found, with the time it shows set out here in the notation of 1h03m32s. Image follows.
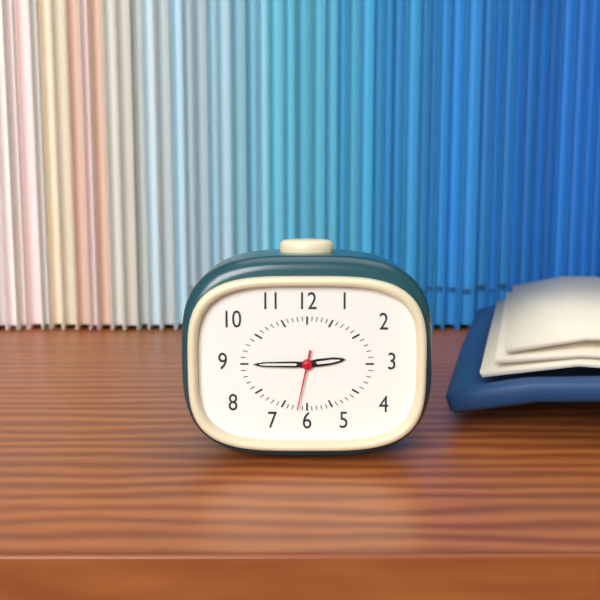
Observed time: 2h45m32s
